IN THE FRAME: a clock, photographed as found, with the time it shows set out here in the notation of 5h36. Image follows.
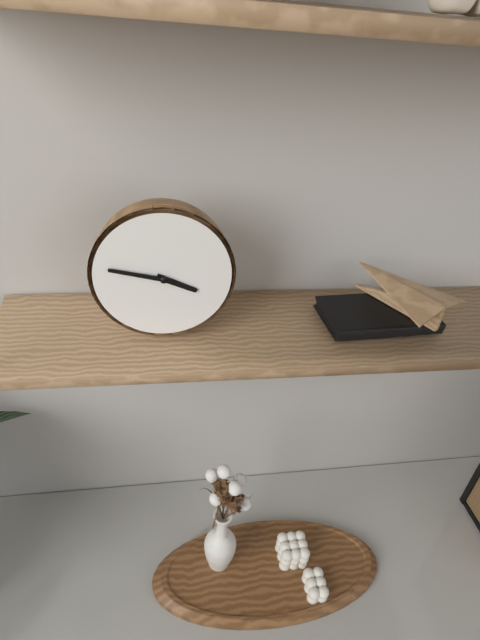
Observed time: 3h47
